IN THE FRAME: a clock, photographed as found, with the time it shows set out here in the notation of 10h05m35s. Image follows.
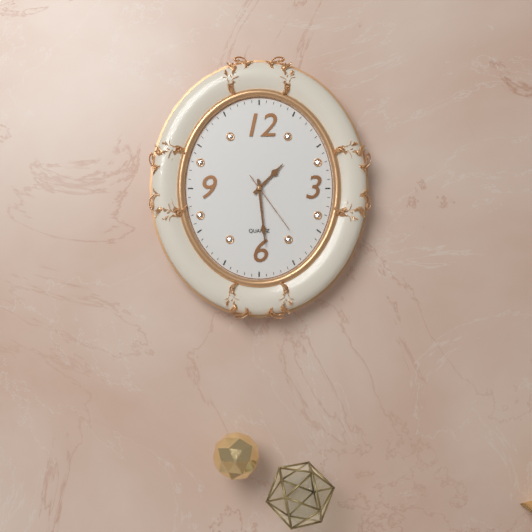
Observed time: 1h29m24s
